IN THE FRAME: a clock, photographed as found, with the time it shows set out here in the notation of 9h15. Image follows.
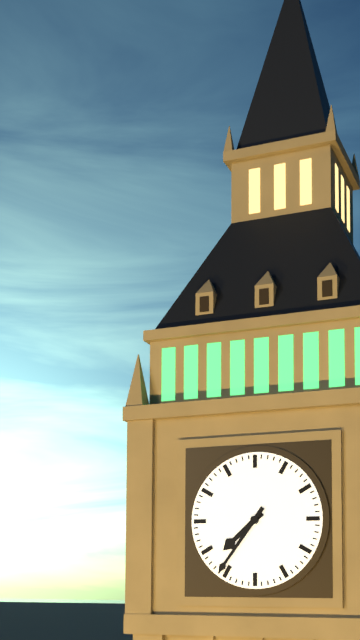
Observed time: 7h36
